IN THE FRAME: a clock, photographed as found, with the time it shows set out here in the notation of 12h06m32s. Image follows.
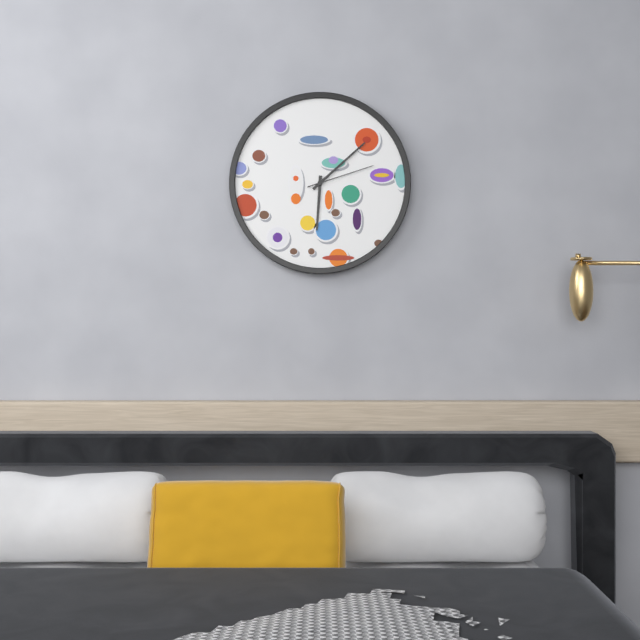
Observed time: 6h08m12s
